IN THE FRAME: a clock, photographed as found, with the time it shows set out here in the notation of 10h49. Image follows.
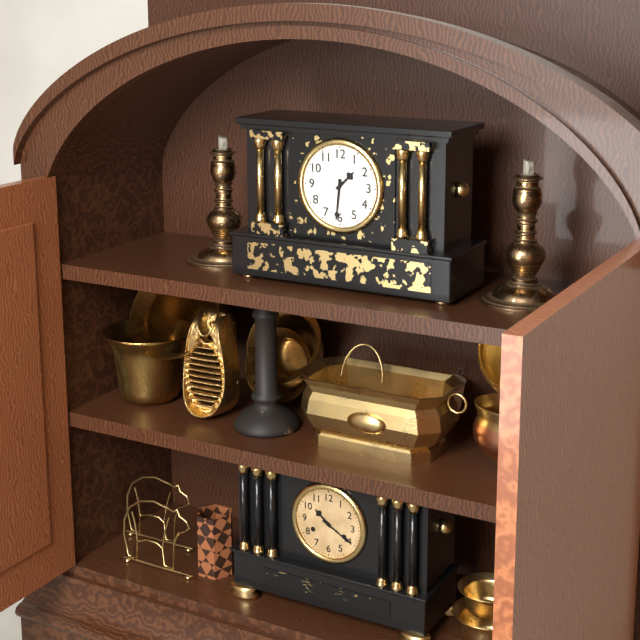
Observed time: 1h31
